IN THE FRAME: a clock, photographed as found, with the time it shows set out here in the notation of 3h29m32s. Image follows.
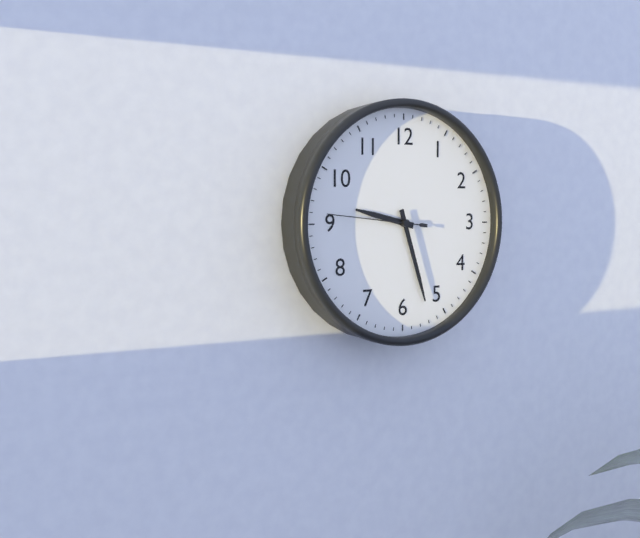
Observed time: 9h27m46s
